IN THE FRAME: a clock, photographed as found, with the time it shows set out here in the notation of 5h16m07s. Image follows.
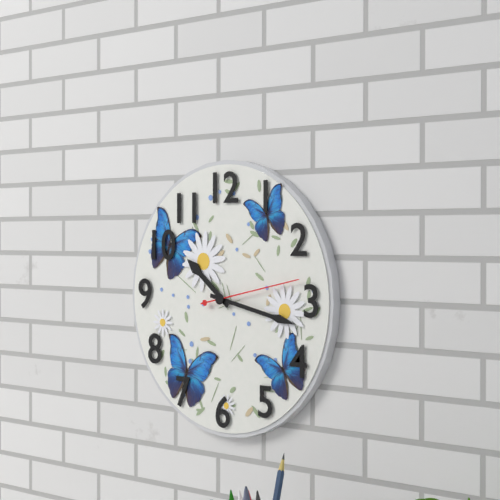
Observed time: 10h17m13s
